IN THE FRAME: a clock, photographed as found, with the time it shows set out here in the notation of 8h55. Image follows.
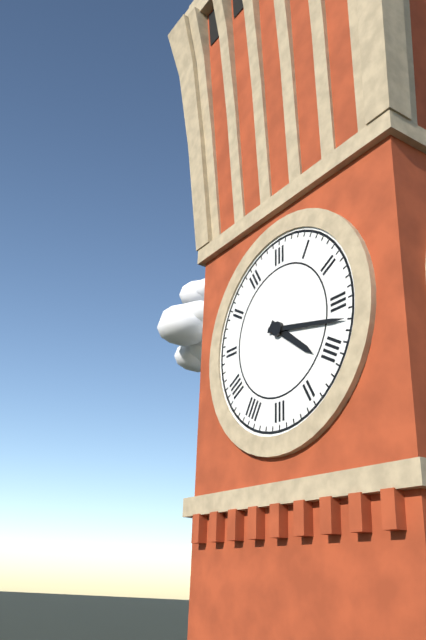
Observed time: 4h17
